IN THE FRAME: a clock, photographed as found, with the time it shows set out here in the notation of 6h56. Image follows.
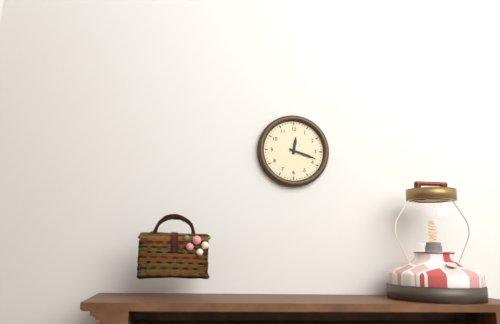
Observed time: 12h18
